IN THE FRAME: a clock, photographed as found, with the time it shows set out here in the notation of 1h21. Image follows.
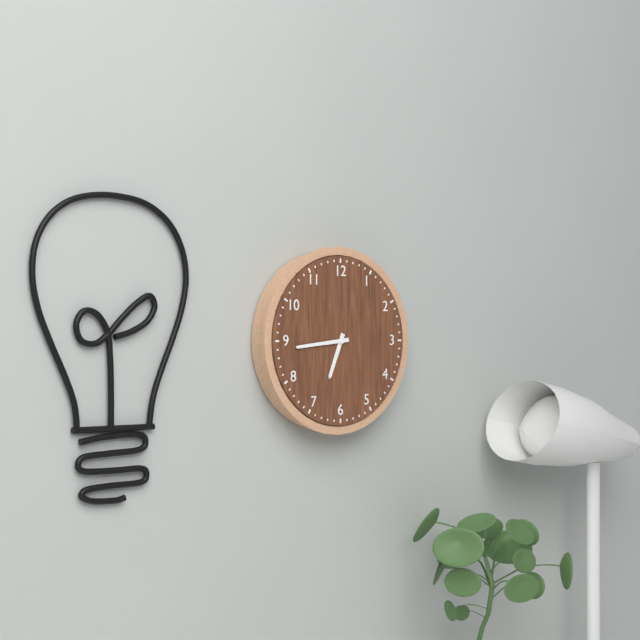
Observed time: 6h44
